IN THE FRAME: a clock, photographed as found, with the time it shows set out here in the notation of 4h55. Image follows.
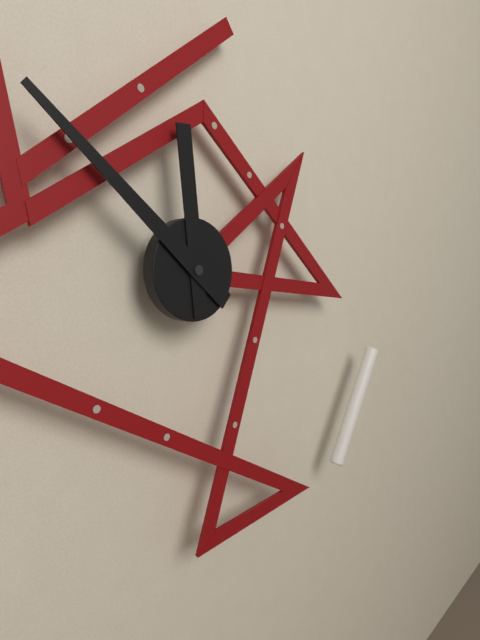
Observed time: 11h52
